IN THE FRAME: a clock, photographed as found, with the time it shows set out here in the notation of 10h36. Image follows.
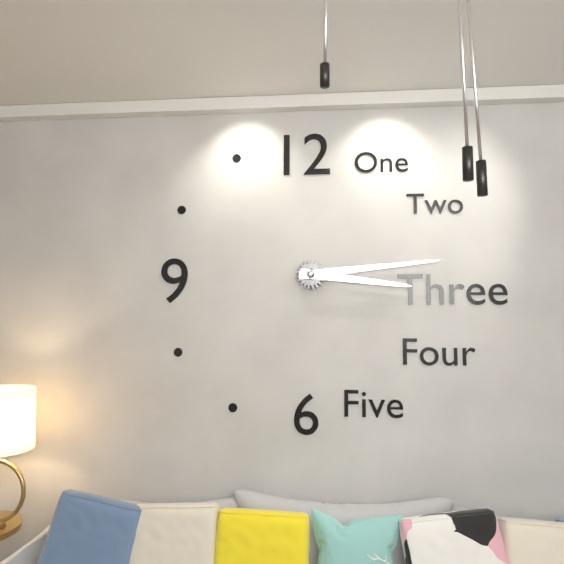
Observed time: 3h14
